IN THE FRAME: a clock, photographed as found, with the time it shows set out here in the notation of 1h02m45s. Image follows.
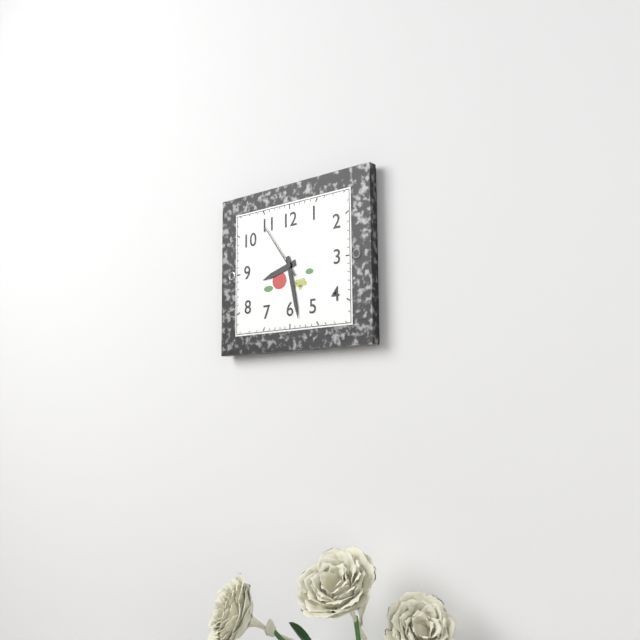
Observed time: 8h28m54s
